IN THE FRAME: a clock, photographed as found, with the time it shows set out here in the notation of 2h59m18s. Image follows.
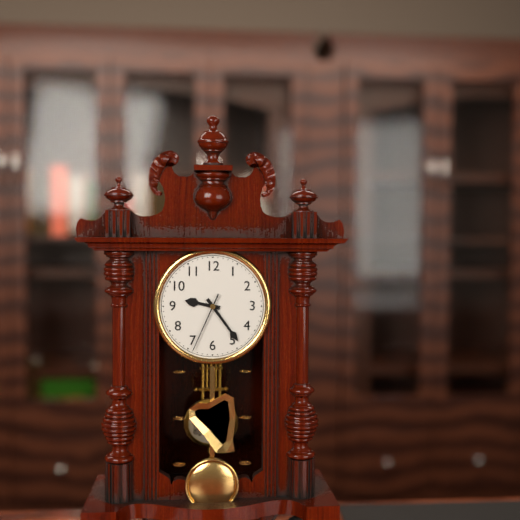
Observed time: 9h24m34s
